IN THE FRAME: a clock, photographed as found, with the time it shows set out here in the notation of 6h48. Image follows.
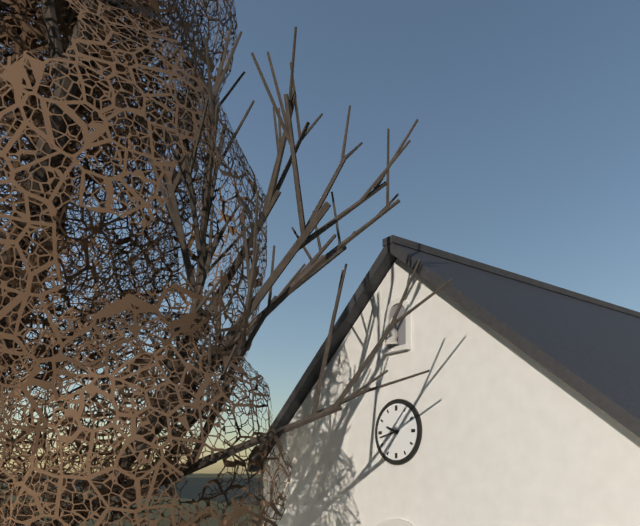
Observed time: 9h43
